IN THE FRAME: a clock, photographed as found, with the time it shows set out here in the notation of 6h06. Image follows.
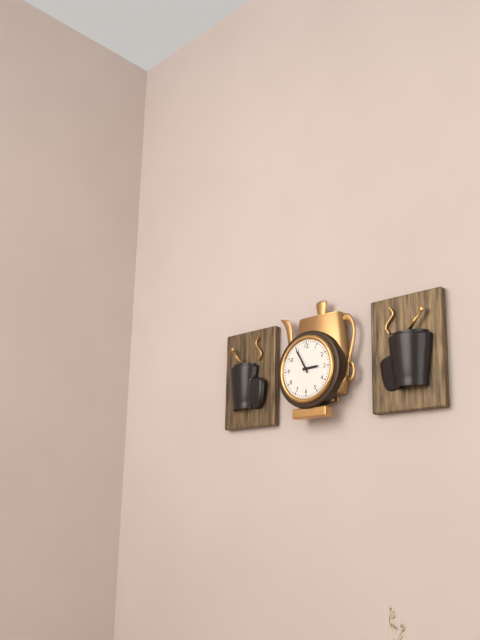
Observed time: 2h55
